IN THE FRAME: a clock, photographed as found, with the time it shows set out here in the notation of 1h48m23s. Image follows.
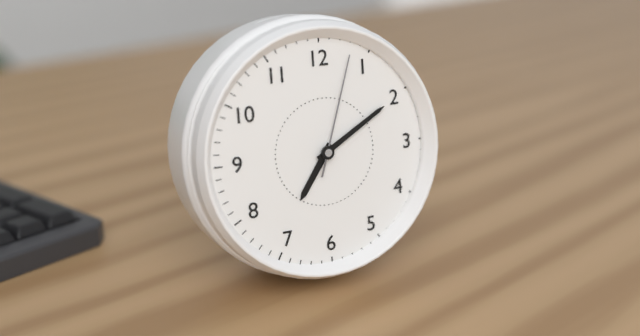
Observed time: 7h10m03s
